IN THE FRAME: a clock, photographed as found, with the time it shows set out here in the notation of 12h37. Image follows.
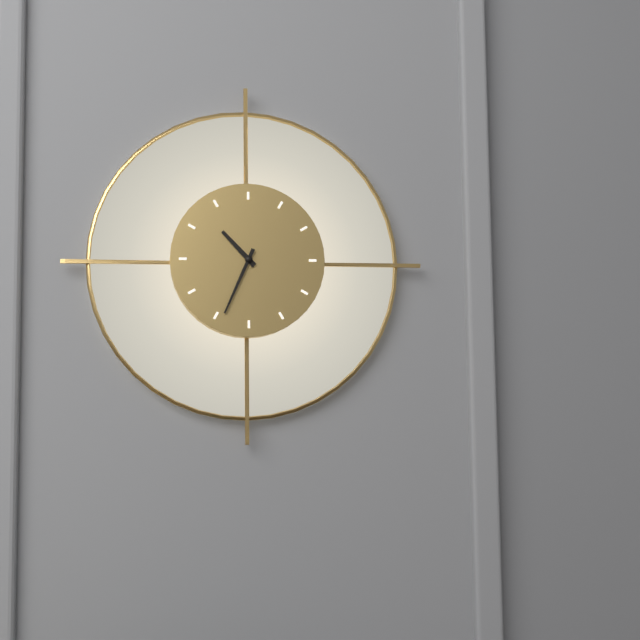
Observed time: 10h34
